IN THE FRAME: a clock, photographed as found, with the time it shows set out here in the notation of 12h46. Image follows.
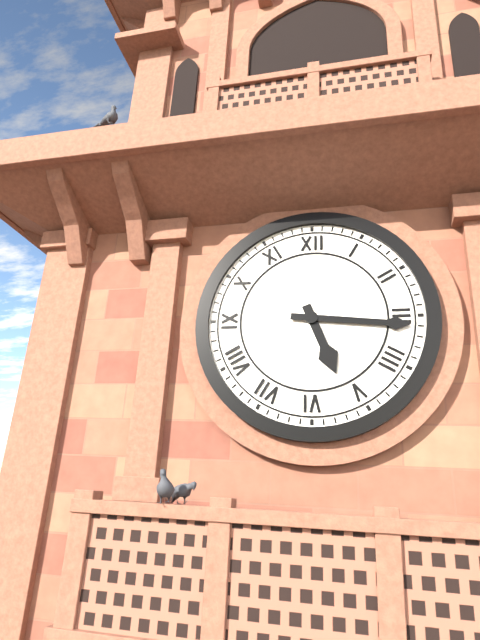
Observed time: 5h16
